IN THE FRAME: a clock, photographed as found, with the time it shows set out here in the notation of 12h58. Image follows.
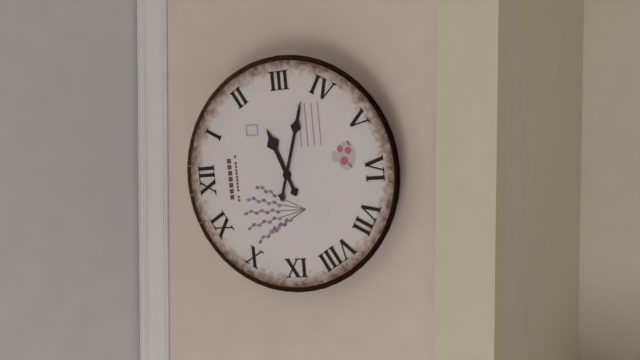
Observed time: 2h18
